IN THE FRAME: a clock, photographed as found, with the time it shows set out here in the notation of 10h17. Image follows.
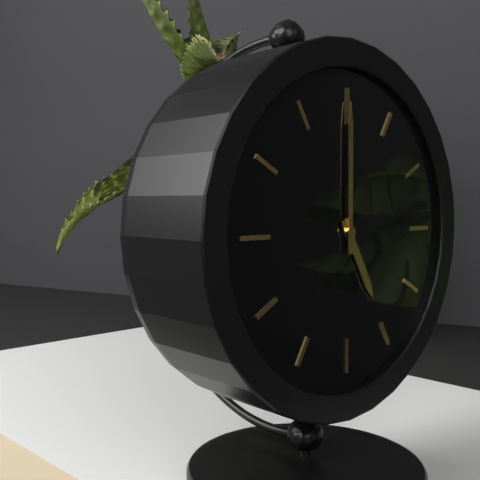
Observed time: 5h00
